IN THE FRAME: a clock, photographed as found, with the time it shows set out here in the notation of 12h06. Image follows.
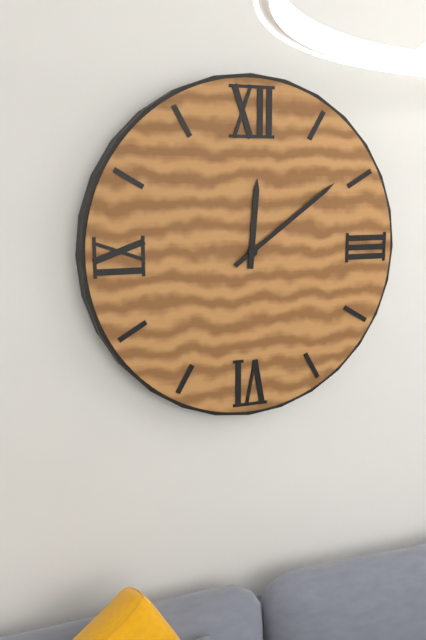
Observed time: 12h09
